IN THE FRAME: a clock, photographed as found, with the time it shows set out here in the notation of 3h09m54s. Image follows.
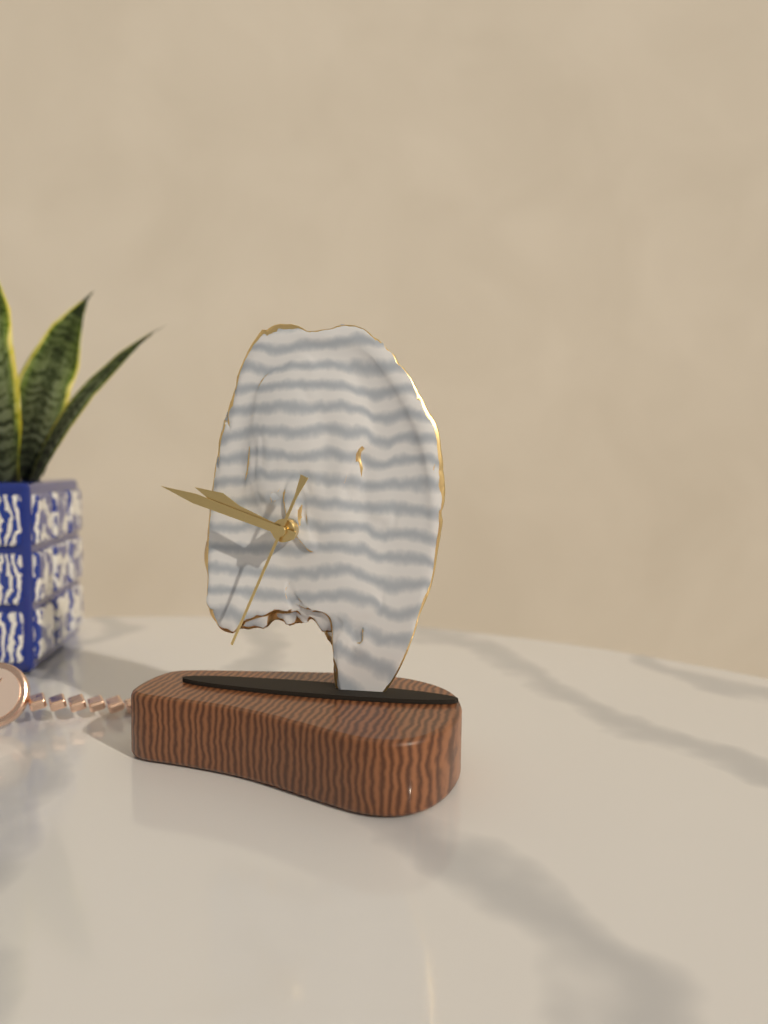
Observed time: 9h48m34s
